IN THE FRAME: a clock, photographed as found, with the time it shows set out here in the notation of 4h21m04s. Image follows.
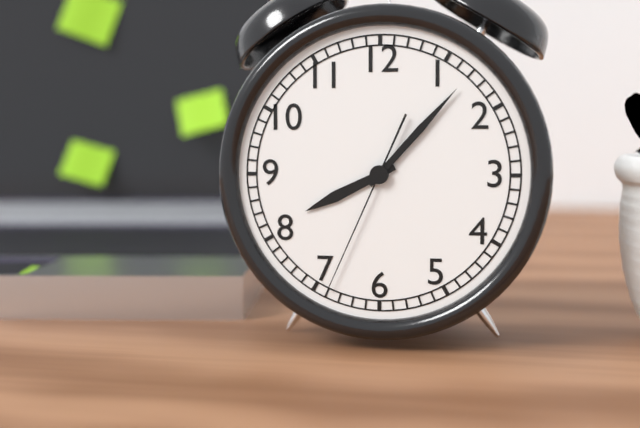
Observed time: 8h07m34s
